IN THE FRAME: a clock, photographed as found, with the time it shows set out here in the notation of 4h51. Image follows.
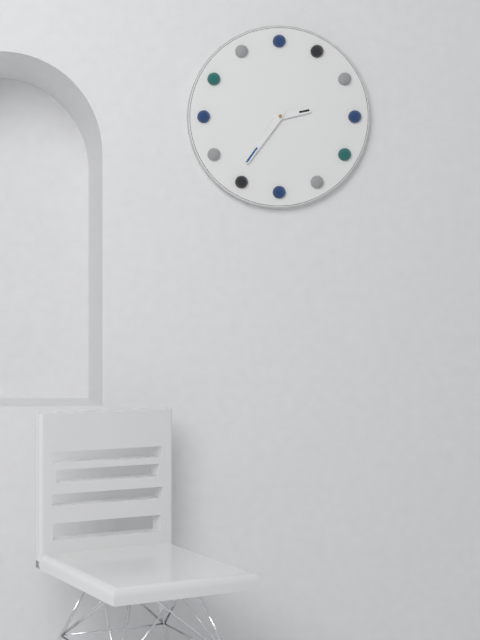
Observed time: 2h36
